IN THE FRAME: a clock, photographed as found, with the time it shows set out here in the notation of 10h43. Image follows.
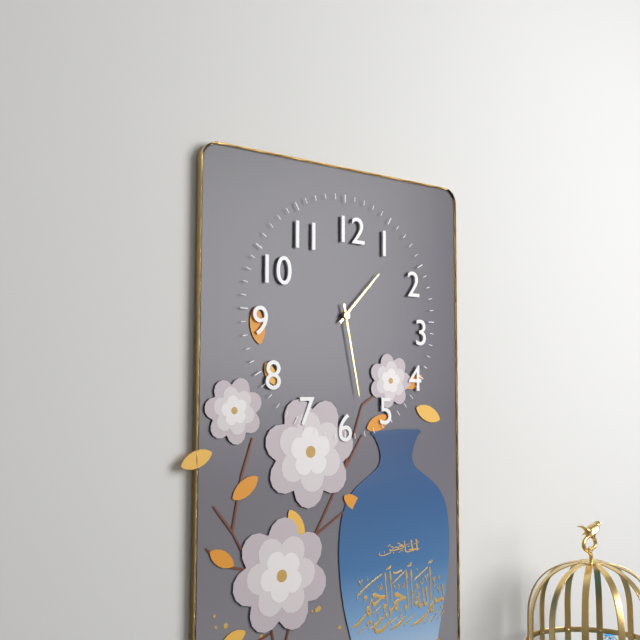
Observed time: 1h28
